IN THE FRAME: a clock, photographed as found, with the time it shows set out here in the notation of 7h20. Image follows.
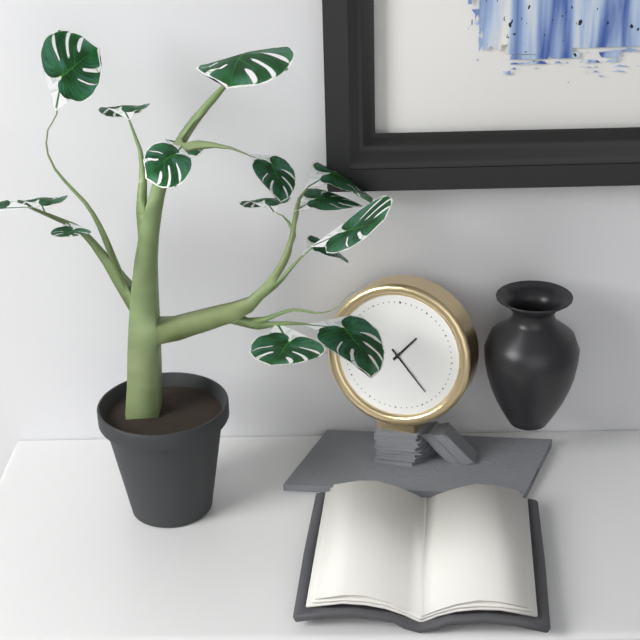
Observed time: 1h23
